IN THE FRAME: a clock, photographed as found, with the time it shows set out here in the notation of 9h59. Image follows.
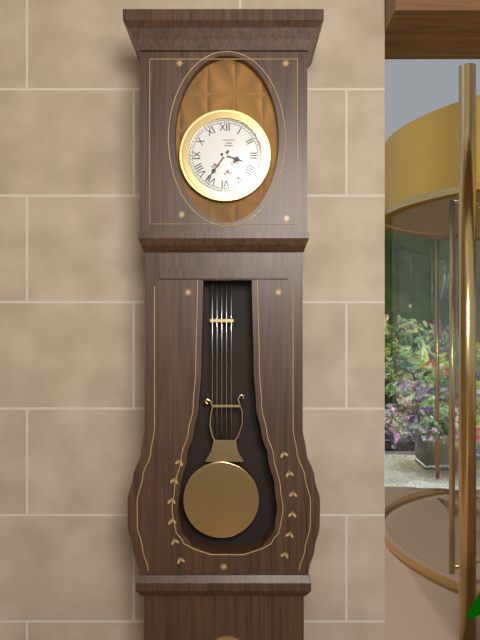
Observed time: 3h36
